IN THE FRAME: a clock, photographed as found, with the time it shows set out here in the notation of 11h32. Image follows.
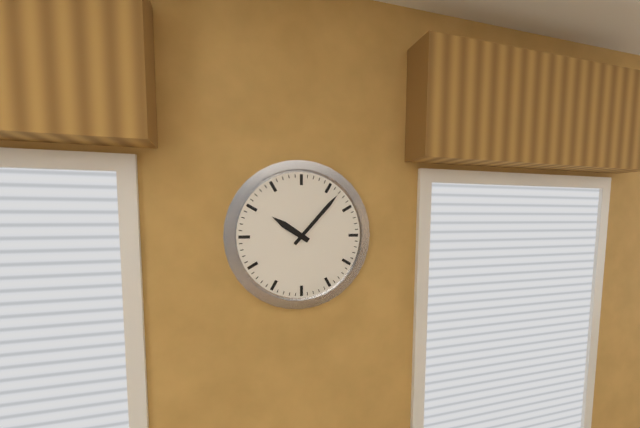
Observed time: 10h07
